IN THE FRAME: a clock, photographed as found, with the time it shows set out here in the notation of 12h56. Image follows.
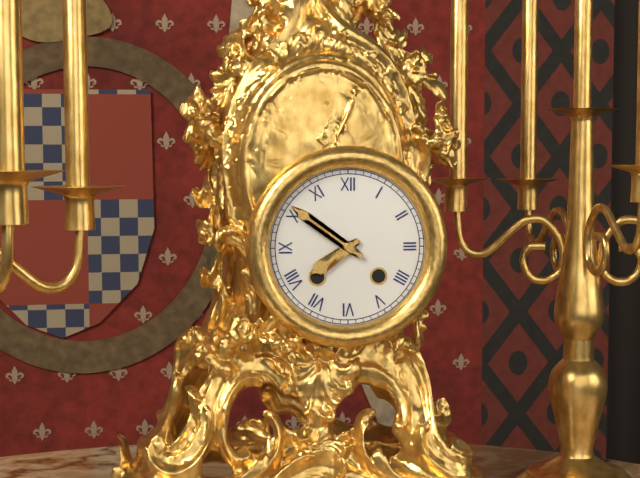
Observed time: 7h51
